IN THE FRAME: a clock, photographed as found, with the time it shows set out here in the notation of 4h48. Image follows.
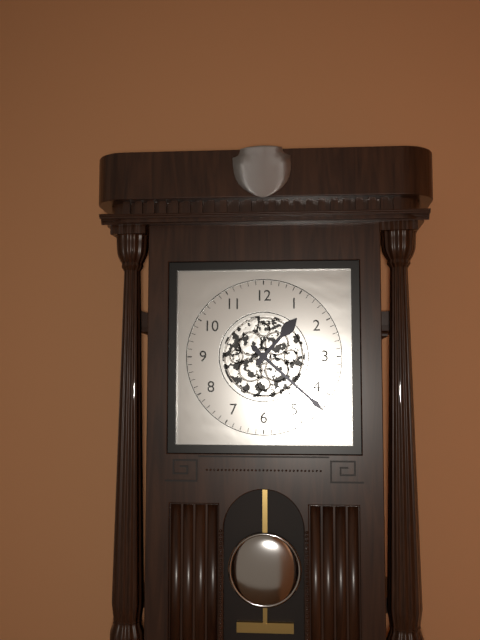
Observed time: 1h22
